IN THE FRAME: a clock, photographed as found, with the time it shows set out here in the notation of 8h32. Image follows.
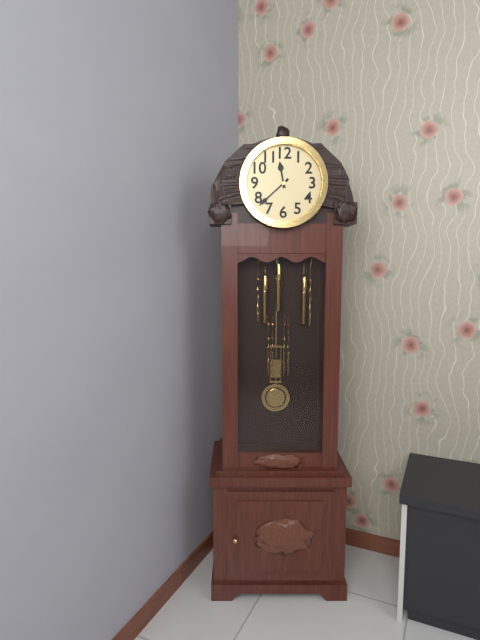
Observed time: 11h38
